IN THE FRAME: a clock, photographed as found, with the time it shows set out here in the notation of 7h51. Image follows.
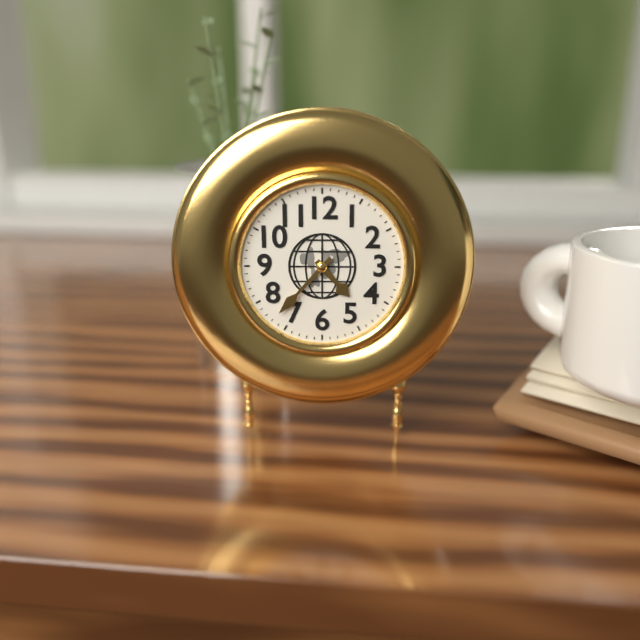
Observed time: 4h37
